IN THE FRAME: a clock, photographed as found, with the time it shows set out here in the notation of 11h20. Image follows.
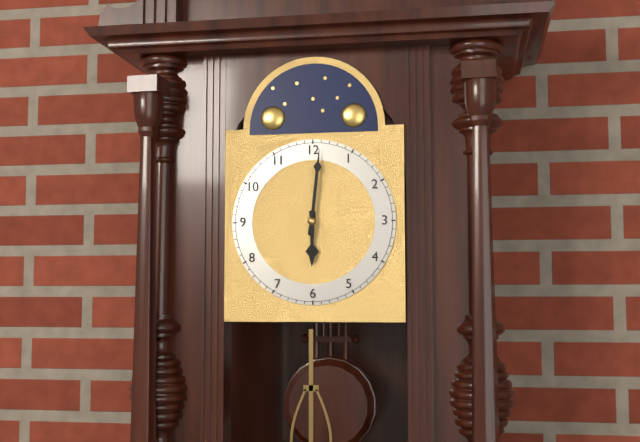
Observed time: 6h01
